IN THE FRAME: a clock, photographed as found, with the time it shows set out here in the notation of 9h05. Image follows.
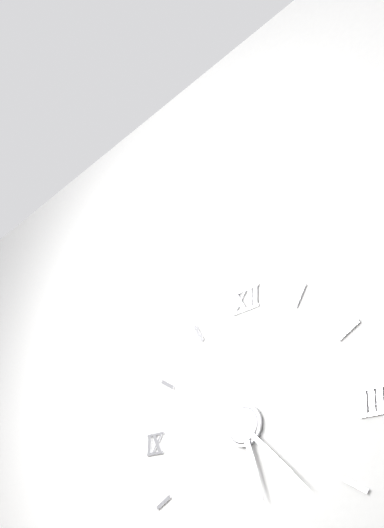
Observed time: 5h22
